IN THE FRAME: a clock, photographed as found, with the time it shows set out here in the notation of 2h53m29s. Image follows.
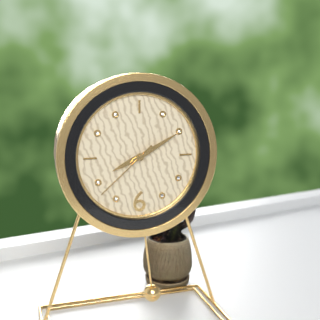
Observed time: 8h10m38s
